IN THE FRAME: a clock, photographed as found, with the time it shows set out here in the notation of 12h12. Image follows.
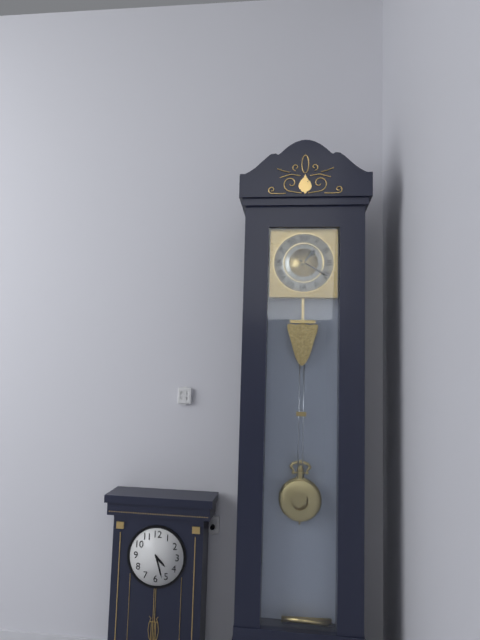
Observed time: 1h20
